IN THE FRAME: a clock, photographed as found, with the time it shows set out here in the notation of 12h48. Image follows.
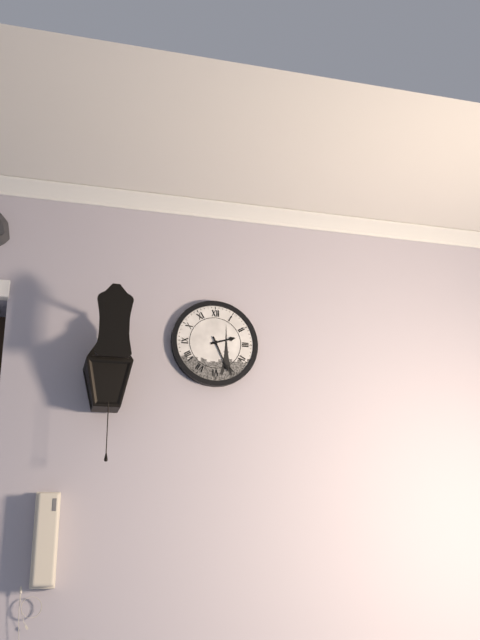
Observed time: 2h26
